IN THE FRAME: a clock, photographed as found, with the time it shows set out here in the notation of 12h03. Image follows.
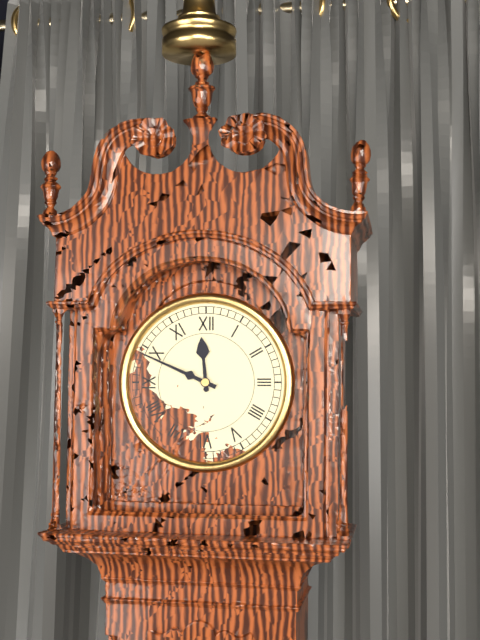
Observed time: 11h49
